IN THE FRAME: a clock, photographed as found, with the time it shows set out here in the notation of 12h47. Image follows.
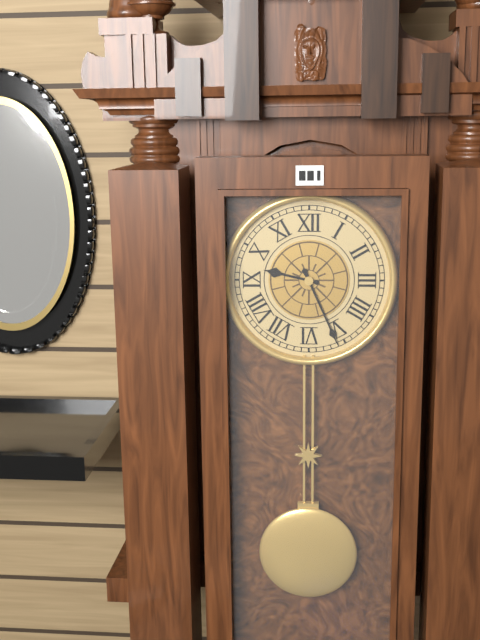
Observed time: 9h26
